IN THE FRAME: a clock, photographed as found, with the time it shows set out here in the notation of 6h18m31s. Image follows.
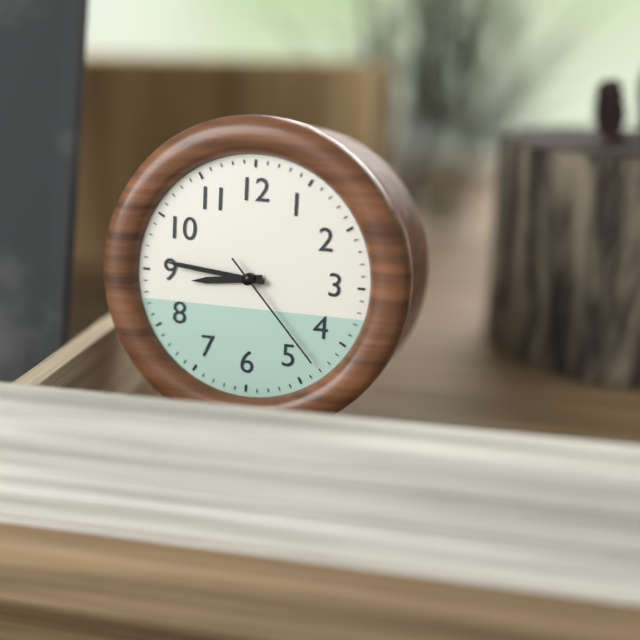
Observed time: 8h46m23s
